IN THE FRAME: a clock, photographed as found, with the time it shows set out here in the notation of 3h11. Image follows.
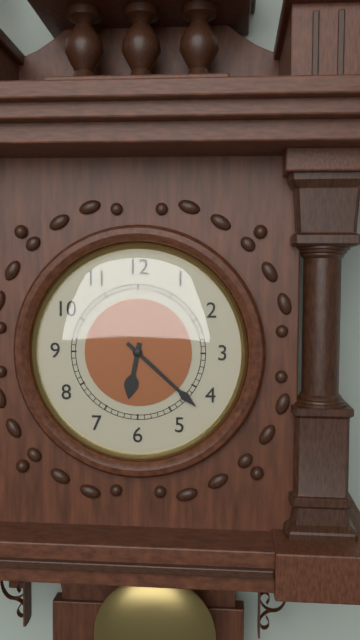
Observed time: 6h22
